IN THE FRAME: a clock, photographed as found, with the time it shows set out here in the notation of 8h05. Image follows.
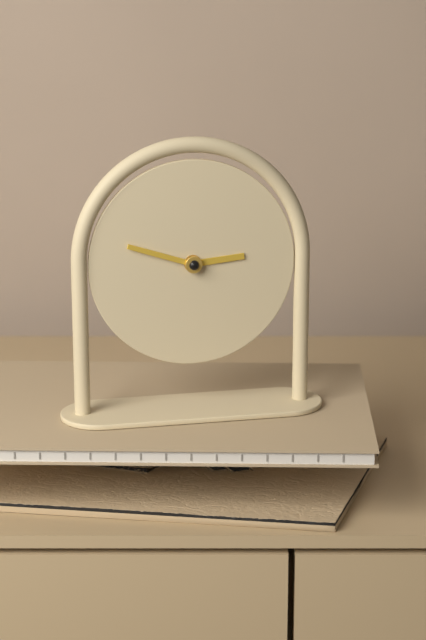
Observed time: 2h48
